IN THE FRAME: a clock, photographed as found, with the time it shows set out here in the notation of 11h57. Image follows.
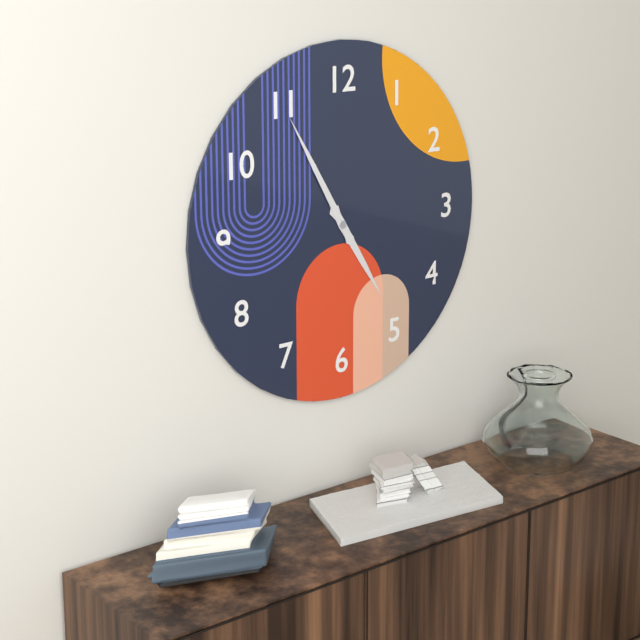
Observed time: 4h55
